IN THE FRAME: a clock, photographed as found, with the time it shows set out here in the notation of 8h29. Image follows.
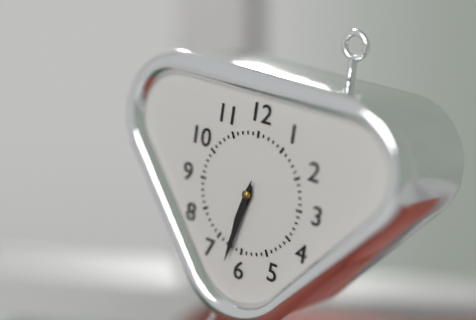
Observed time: 6h32
